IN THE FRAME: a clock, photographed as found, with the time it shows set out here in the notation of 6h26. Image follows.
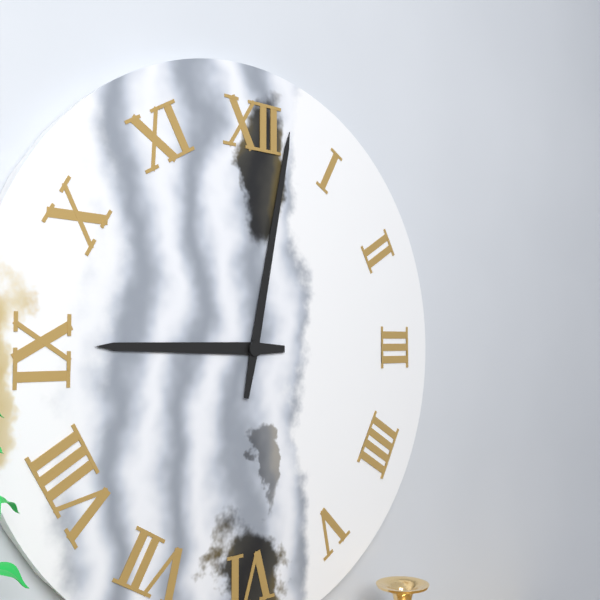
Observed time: 9h02
